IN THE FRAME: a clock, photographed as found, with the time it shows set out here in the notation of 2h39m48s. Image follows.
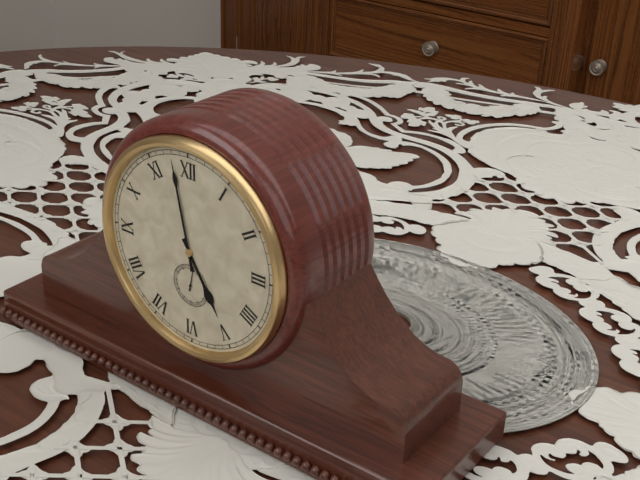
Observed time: 4h58m02s
